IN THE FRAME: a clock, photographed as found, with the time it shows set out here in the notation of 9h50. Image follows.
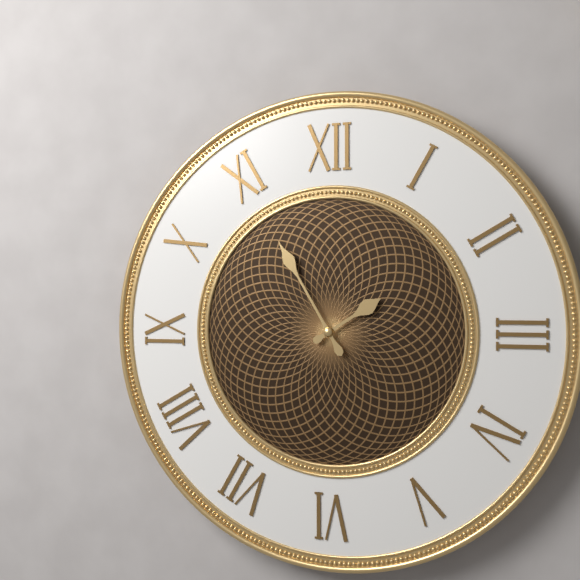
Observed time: 1h55
